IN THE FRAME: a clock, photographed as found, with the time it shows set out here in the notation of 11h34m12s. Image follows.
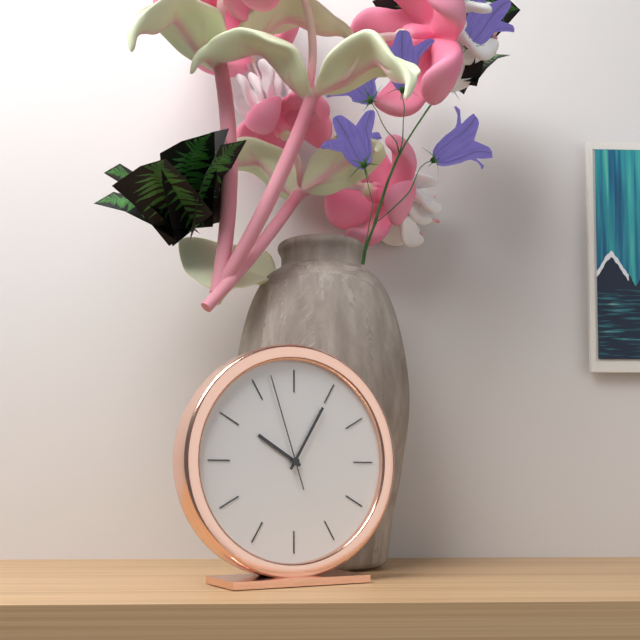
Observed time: 10h05m57s
